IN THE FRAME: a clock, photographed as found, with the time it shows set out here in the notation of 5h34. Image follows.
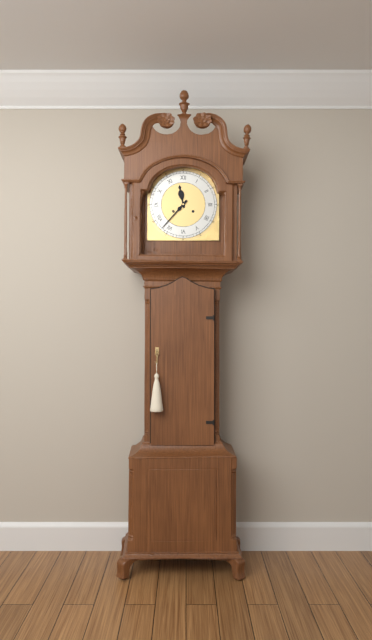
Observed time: 11h37
